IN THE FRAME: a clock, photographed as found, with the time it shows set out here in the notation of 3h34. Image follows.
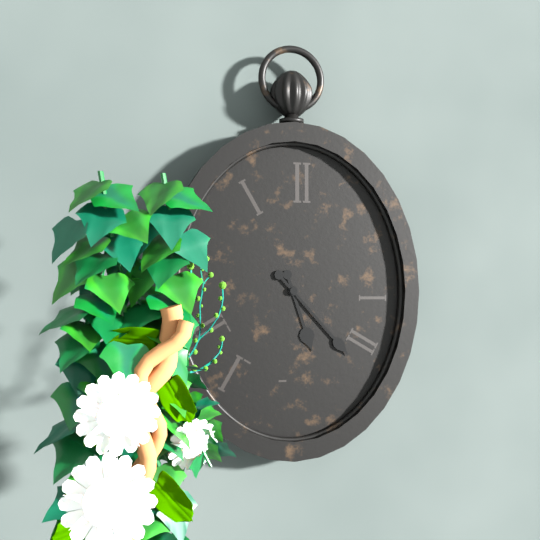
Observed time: 5h23
